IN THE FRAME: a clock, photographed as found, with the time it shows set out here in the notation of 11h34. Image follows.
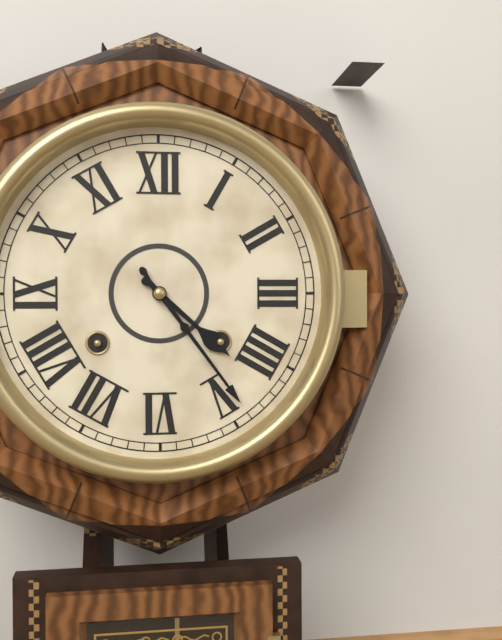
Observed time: 4h24
